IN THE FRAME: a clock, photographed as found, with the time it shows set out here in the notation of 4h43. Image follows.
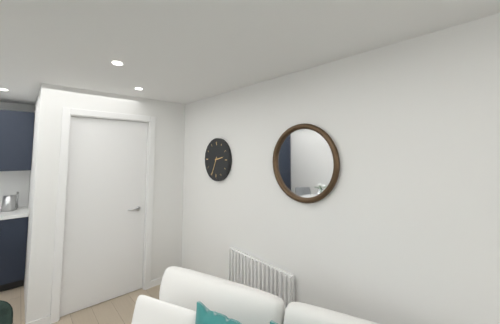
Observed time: 2h34
